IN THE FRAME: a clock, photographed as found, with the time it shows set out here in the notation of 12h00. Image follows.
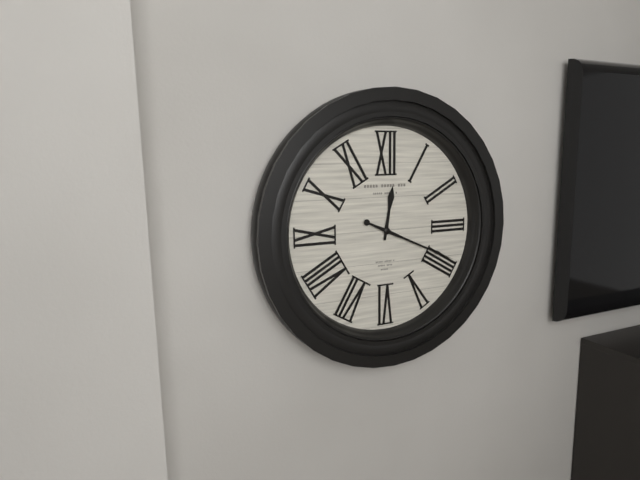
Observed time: 12h19
